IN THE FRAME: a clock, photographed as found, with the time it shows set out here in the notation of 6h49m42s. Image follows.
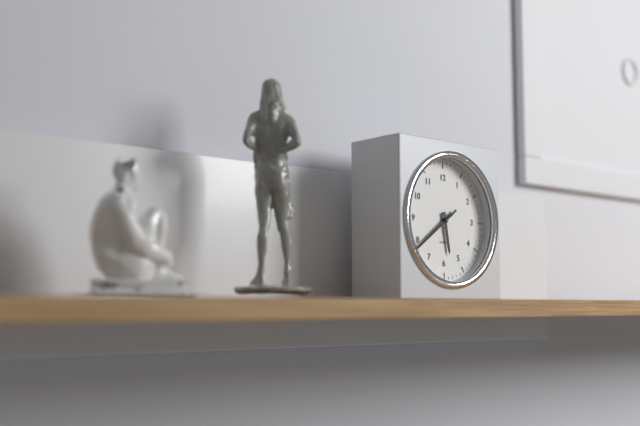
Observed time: 5h39m39s
